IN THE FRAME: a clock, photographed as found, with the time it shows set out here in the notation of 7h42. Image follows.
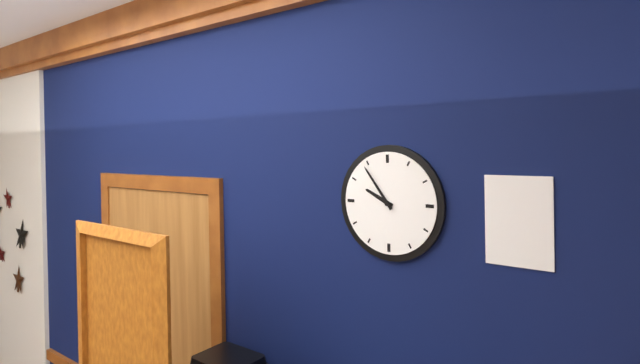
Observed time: 9h54
